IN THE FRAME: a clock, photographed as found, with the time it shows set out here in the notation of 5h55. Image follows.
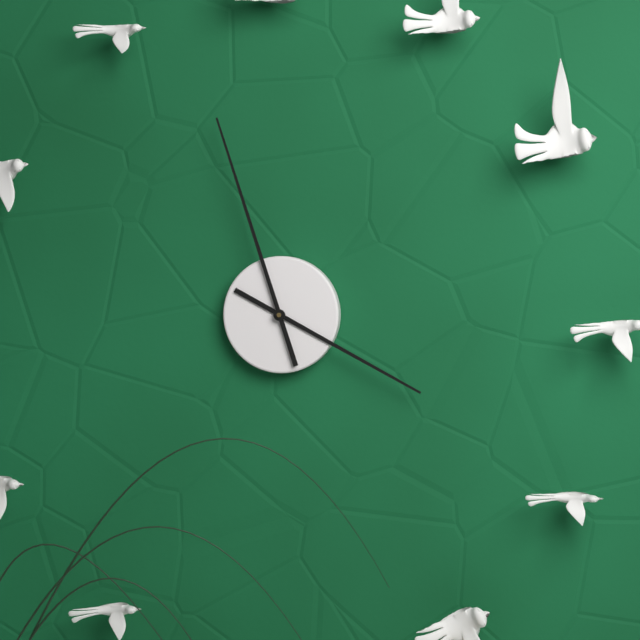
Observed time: 3h57
